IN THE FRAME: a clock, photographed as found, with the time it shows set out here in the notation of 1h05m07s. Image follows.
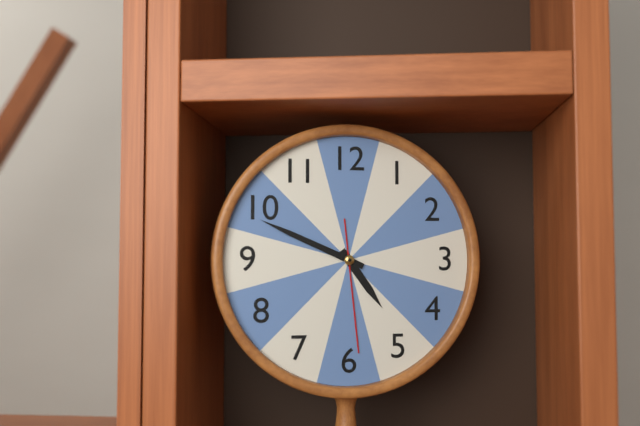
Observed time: 4h49m29s
